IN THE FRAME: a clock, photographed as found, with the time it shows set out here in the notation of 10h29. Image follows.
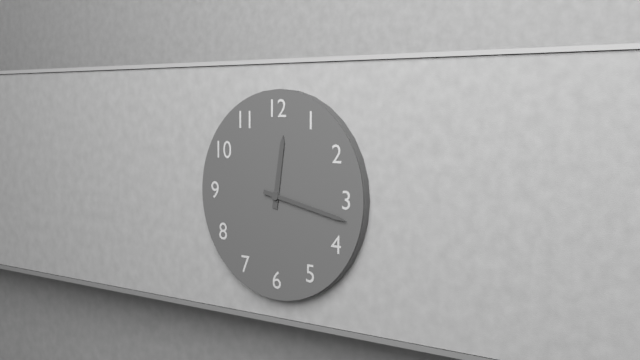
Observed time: 12h17
